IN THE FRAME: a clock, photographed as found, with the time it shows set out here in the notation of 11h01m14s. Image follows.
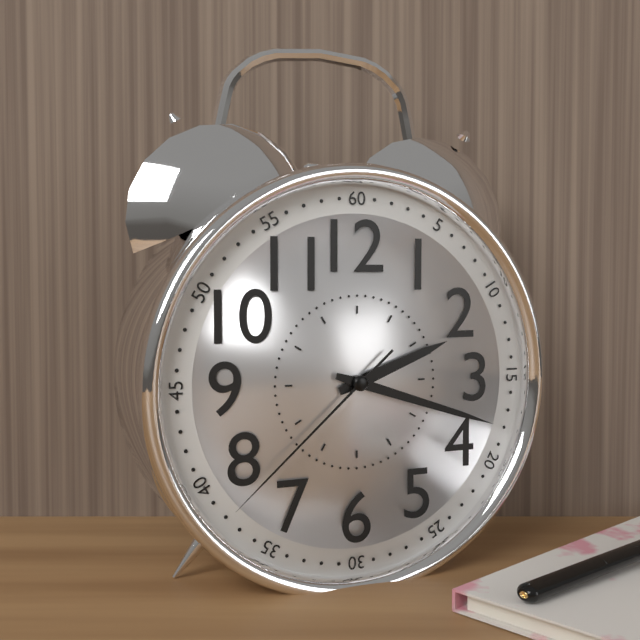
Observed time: 2h18m38s
